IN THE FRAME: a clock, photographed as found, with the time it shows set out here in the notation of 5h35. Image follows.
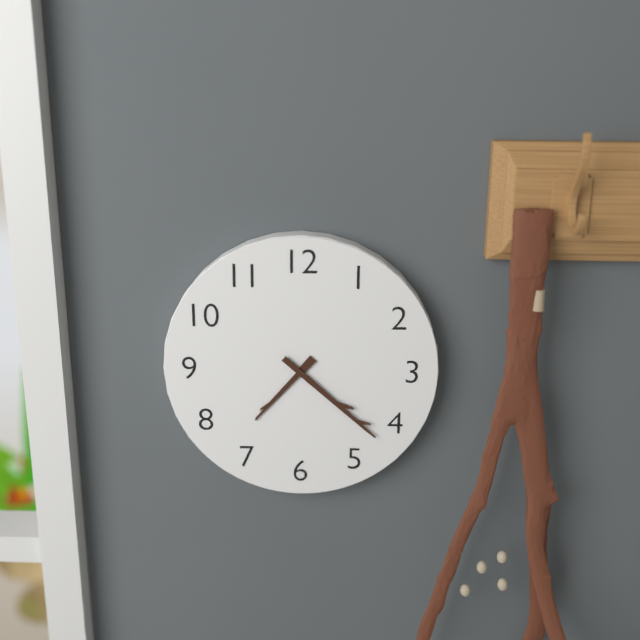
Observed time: 7h22
